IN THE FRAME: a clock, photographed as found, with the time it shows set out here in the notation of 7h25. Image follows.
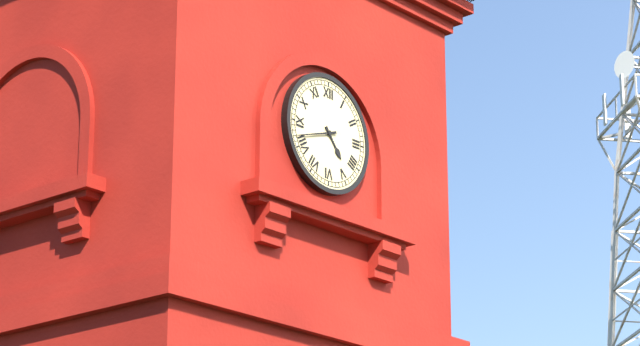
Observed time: 4h42
